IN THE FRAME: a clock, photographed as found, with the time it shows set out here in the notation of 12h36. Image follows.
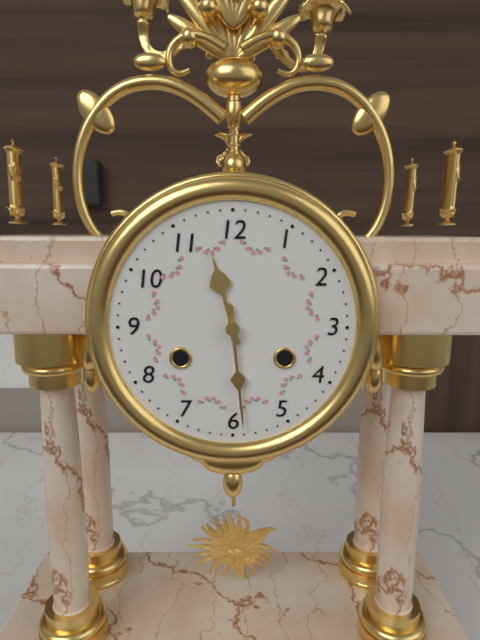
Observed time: 11h29
